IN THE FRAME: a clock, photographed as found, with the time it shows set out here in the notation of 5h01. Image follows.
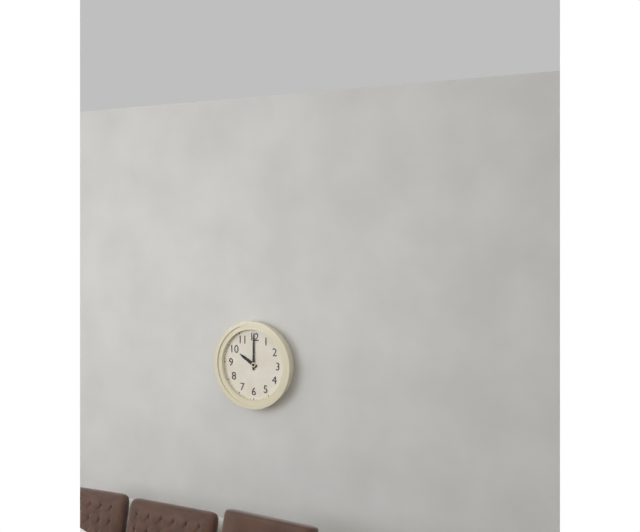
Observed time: 10h00
